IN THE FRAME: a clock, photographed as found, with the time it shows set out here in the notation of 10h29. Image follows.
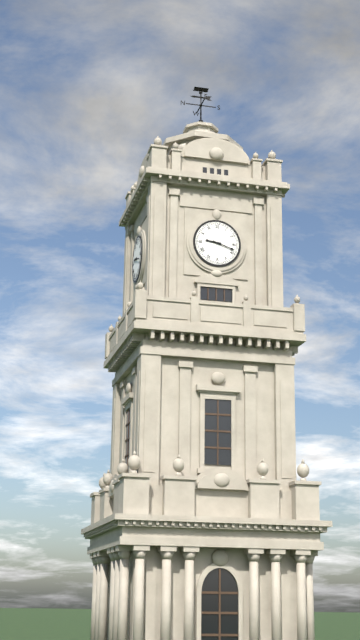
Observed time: 9h18
